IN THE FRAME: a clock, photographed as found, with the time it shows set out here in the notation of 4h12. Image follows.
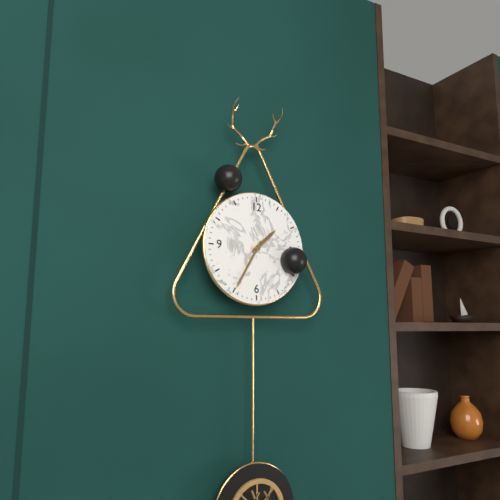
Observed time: 1h35
